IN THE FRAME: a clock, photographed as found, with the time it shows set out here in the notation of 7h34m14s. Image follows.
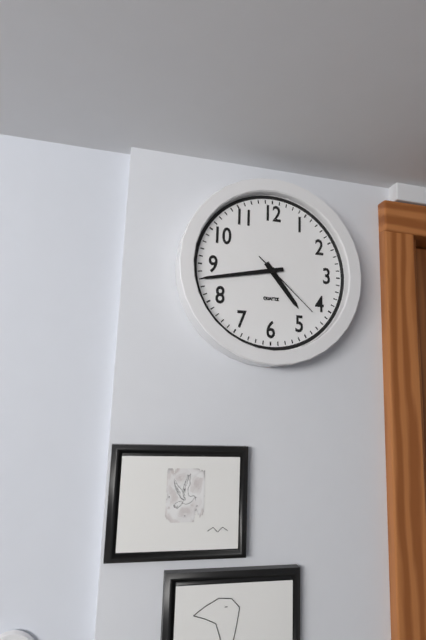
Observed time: 4h43m22s
